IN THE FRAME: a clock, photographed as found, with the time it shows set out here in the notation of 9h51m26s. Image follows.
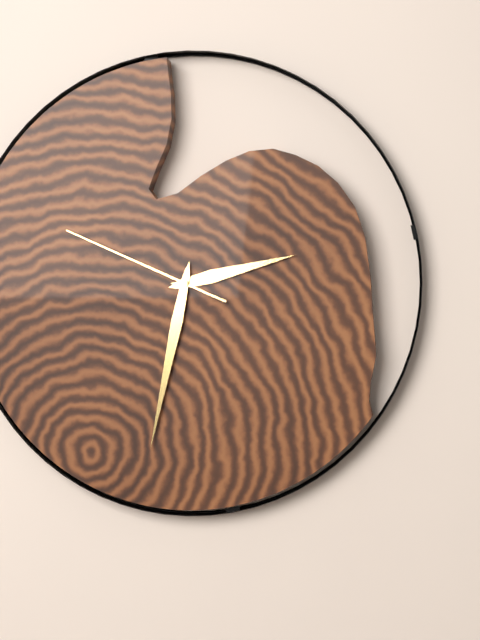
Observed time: 2h32m49s
